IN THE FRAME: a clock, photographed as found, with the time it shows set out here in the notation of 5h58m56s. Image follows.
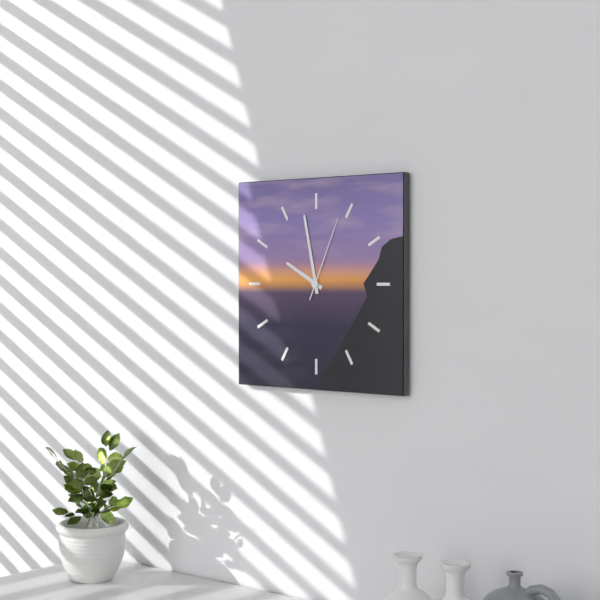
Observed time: 9h58m04s
